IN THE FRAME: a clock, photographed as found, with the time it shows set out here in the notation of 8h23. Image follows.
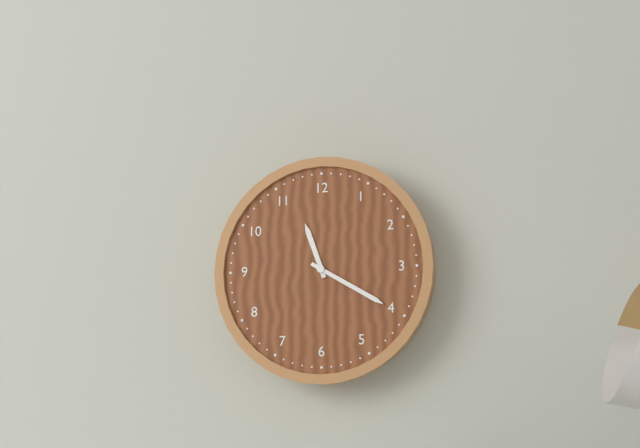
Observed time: 11h20
